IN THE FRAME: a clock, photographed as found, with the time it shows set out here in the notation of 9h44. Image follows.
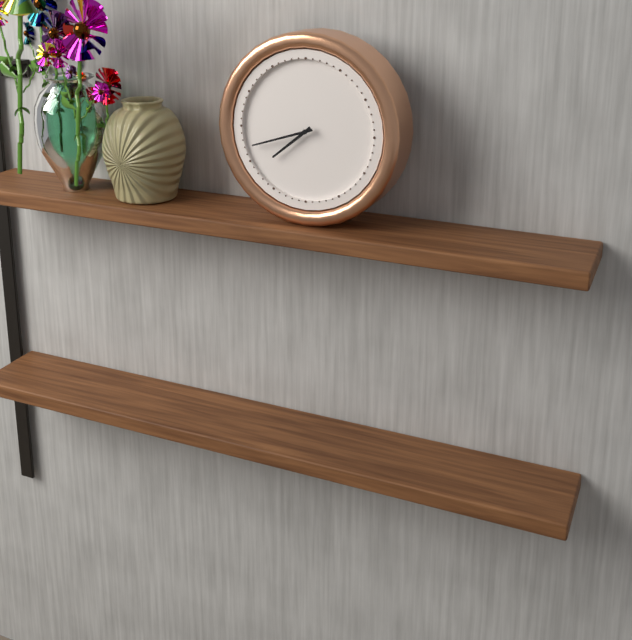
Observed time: 7h42
